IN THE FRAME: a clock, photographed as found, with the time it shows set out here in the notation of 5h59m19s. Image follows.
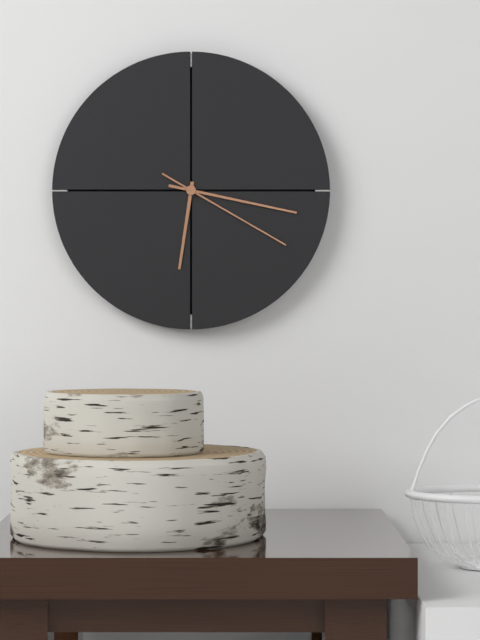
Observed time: 6h17m20s
